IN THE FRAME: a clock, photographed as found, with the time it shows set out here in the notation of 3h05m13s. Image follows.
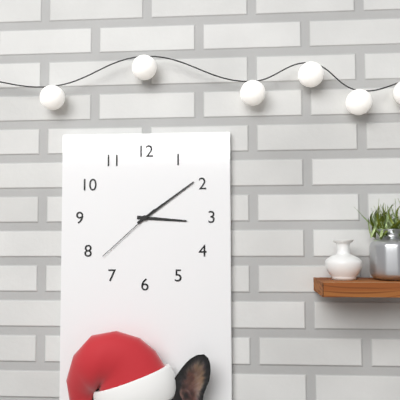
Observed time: 3h09m38s
